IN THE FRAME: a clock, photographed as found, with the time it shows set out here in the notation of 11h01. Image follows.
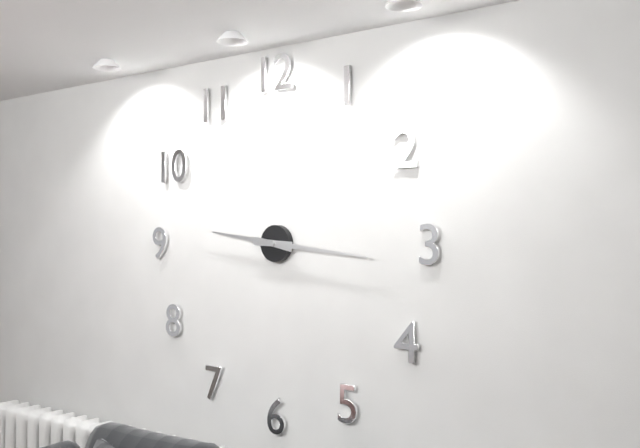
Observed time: 9h16
